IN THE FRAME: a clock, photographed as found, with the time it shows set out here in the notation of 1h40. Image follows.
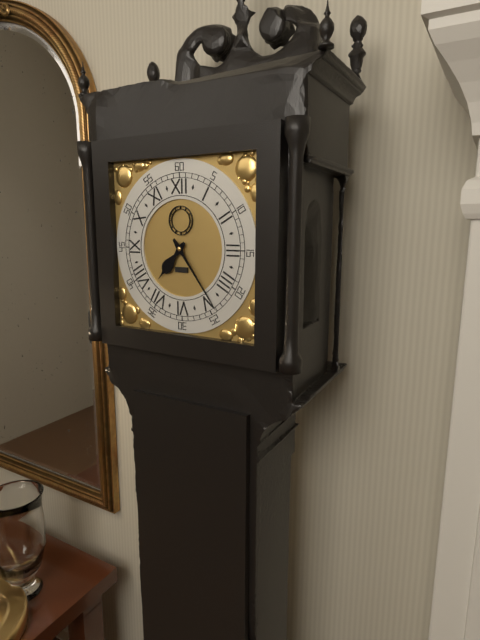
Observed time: 7h24
